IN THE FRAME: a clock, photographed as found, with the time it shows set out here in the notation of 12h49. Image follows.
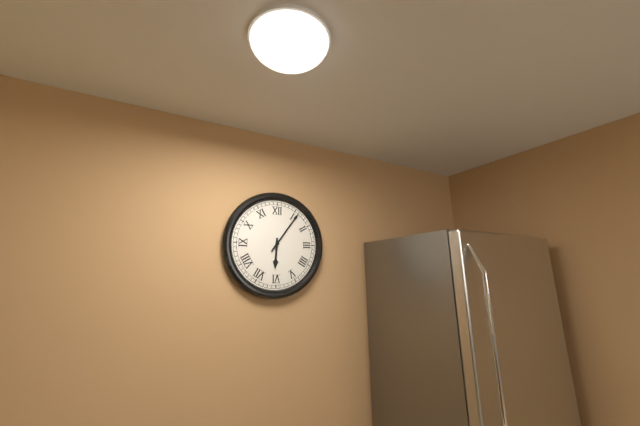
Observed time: 6h06
